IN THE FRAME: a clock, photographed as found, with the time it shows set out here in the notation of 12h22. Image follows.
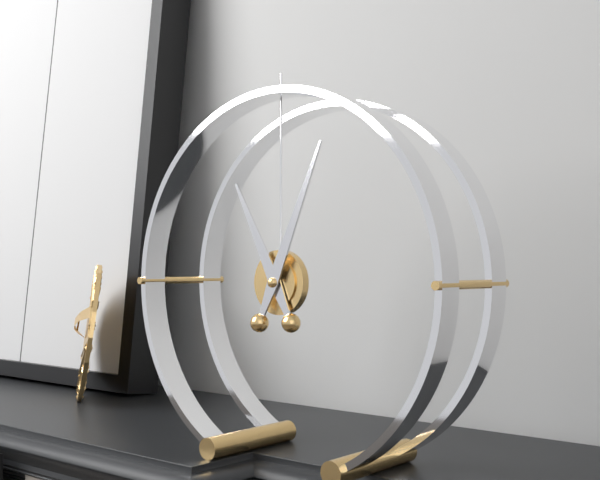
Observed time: 11h04
